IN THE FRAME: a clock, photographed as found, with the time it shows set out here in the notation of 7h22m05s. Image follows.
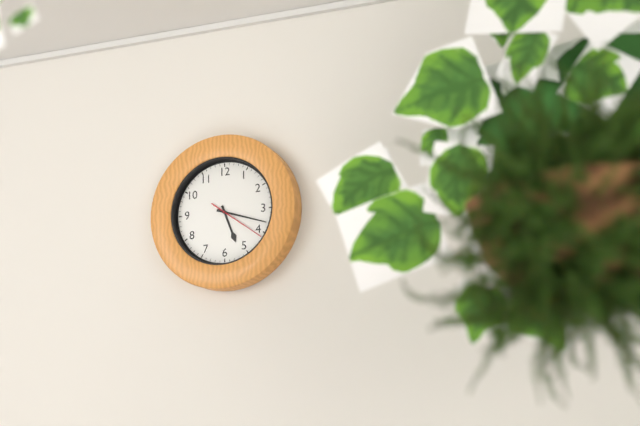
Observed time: 5h18m21s
